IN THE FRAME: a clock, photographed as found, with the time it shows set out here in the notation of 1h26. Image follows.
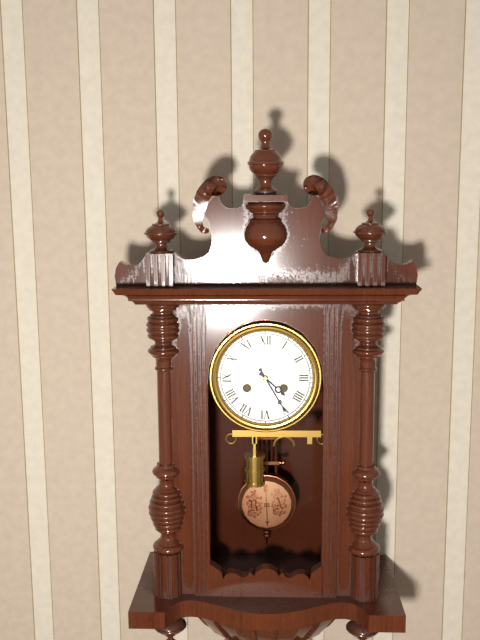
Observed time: 4h25
